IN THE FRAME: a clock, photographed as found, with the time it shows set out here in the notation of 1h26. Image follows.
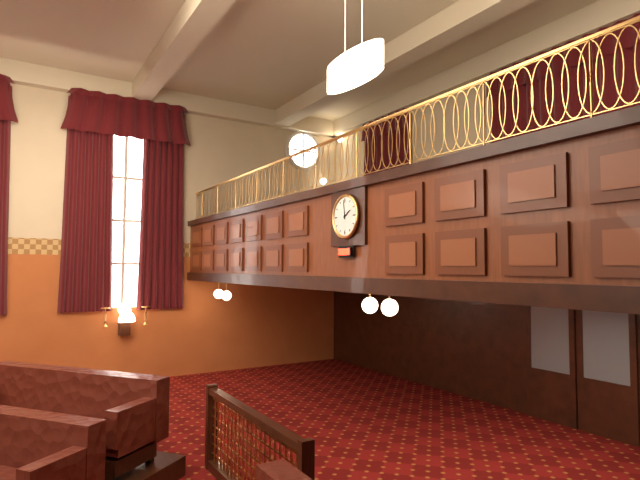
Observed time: 1h59
